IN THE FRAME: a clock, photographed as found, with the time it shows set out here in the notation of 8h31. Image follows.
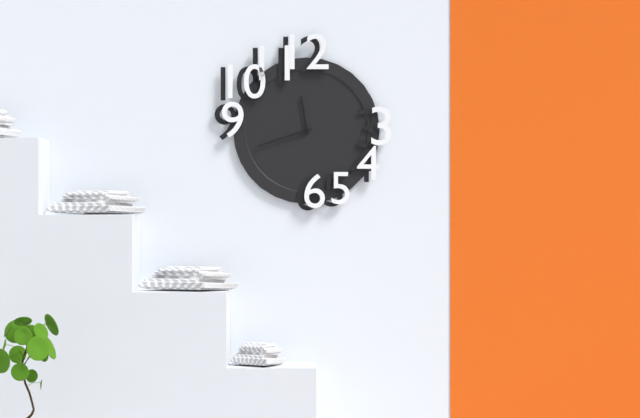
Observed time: 11h42
